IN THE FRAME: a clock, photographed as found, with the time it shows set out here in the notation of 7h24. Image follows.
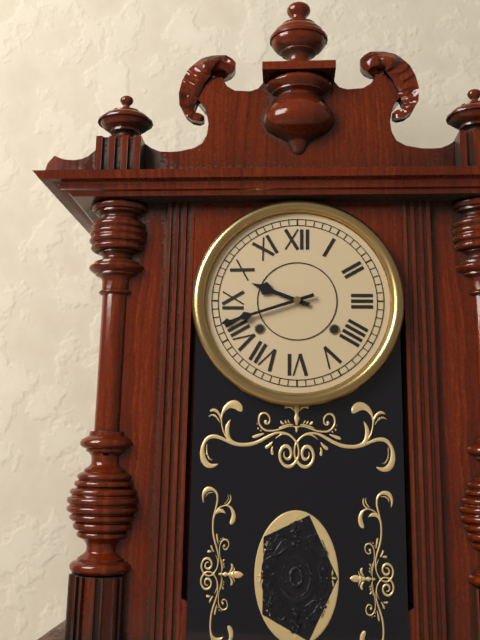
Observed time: 9h42
